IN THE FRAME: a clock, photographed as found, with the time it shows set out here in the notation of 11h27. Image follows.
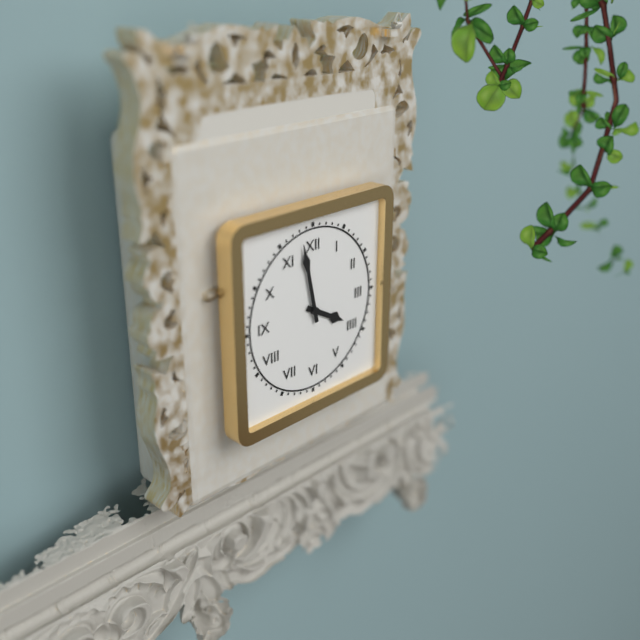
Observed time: 3h58
